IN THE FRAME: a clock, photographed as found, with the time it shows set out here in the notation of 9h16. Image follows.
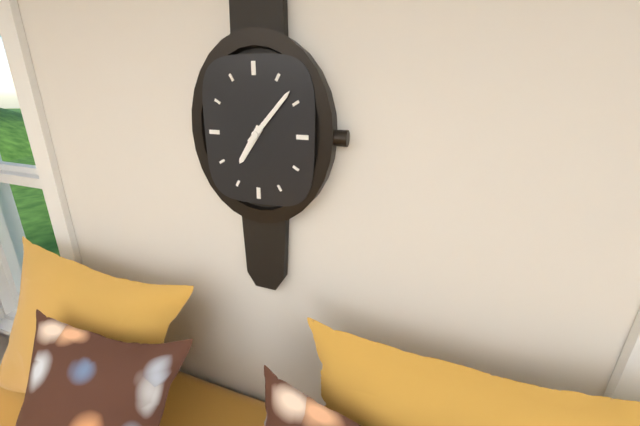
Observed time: 7h07
